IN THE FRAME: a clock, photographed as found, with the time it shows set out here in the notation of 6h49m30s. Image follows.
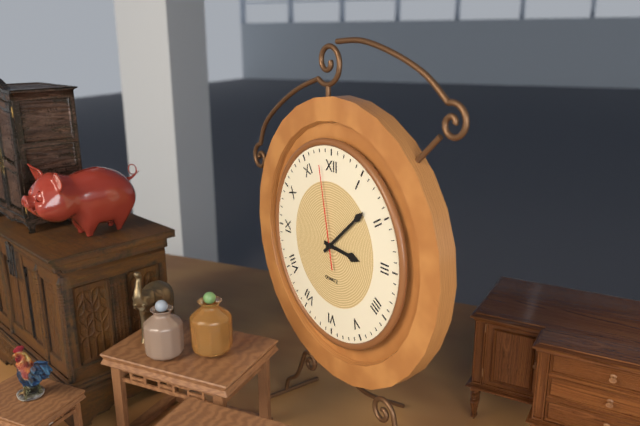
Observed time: 3h08m58s
